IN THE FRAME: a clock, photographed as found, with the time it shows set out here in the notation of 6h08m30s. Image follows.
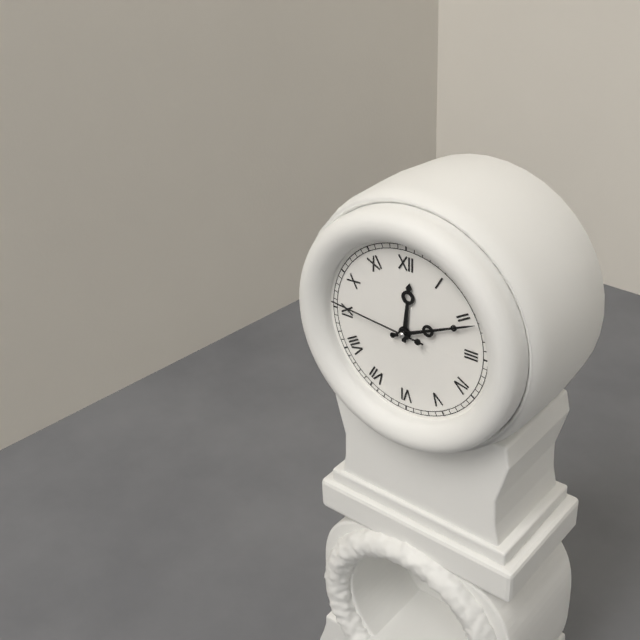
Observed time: 12h11m46s
